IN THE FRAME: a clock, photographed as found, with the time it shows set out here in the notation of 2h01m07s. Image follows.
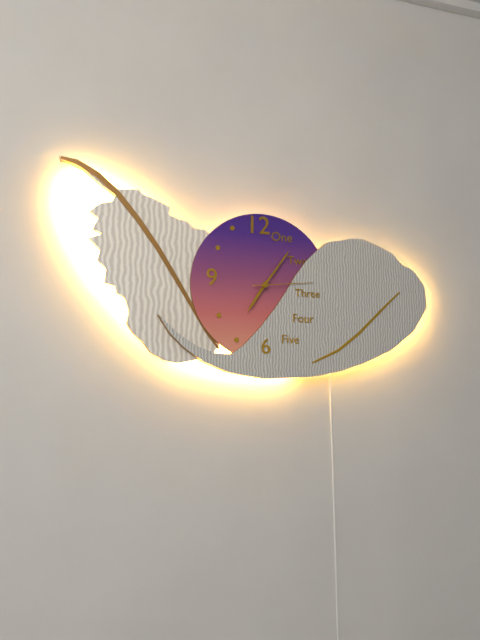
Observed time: 7h06m14s
